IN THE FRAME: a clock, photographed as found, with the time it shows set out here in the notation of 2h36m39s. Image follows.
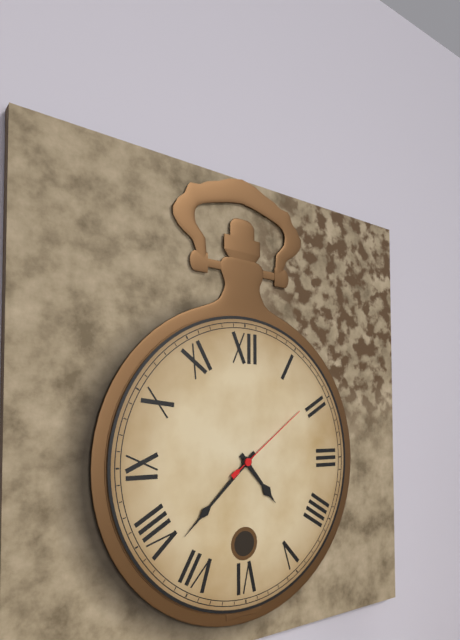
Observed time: 4h38m09s
